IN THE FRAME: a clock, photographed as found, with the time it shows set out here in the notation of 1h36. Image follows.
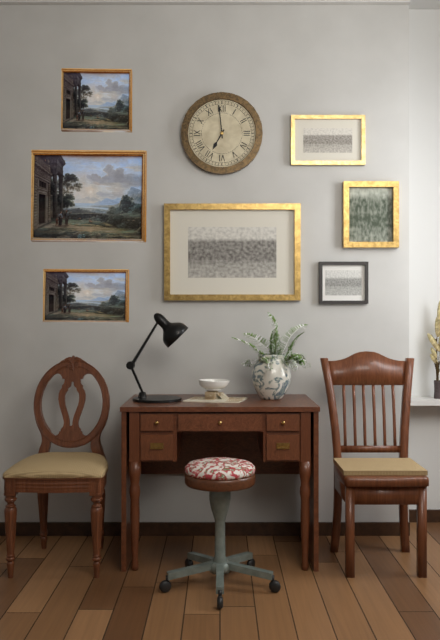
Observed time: 6h59
